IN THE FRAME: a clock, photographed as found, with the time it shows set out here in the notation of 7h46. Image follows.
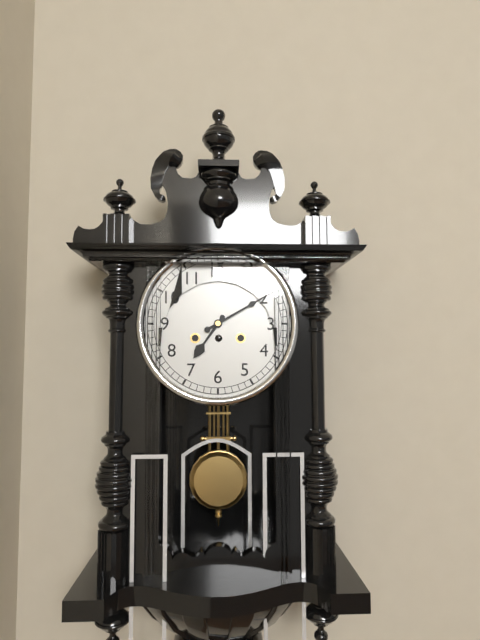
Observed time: 7h10
